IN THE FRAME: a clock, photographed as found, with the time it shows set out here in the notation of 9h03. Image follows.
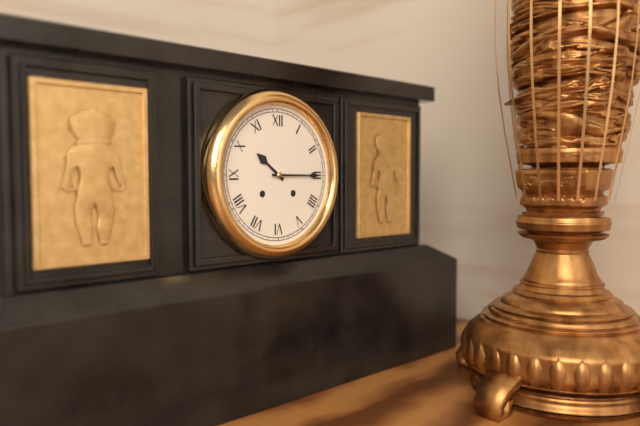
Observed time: 10h15
